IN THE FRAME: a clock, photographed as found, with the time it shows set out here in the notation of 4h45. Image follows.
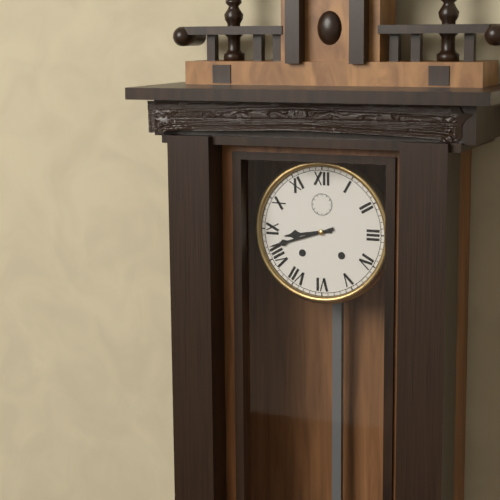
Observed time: 8h42
